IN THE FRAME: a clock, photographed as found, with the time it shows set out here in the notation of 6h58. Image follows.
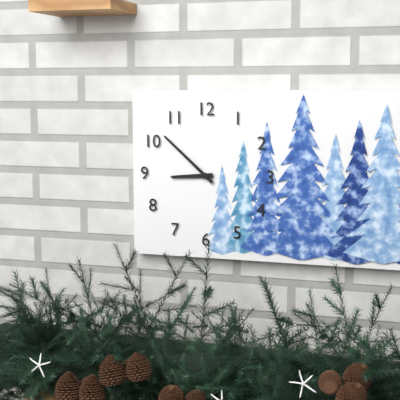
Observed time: 8h52
